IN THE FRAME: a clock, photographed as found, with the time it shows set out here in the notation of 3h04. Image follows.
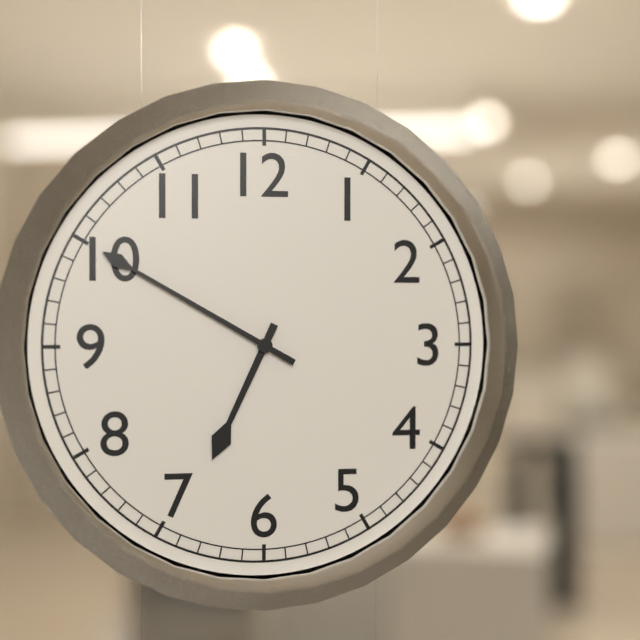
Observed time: 6h50
